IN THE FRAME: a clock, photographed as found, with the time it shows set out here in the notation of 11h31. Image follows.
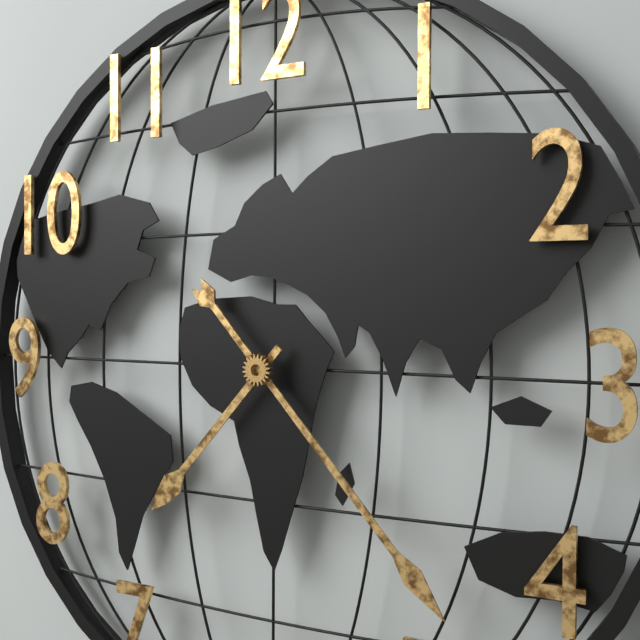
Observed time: 7h23
